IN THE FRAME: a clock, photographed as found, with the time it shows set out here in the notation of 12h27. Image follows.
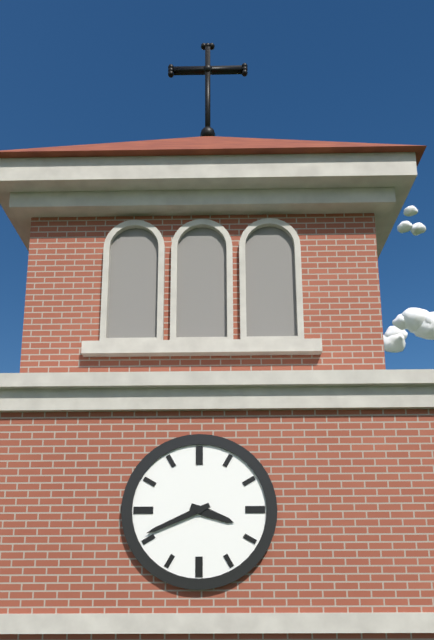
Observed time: 3h41
